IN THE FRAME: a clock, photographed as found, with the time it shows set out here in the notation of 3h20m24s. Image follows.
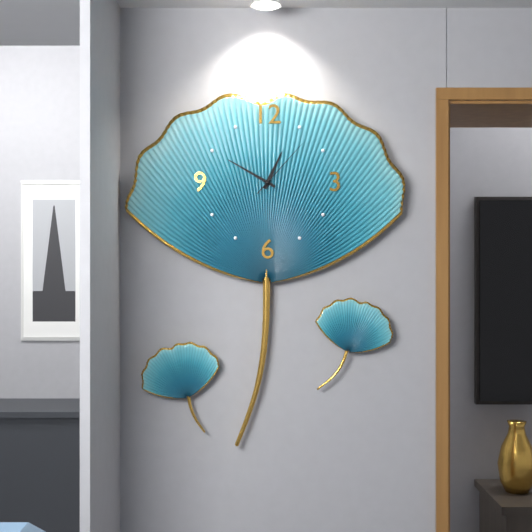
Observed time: 12h50m07s
